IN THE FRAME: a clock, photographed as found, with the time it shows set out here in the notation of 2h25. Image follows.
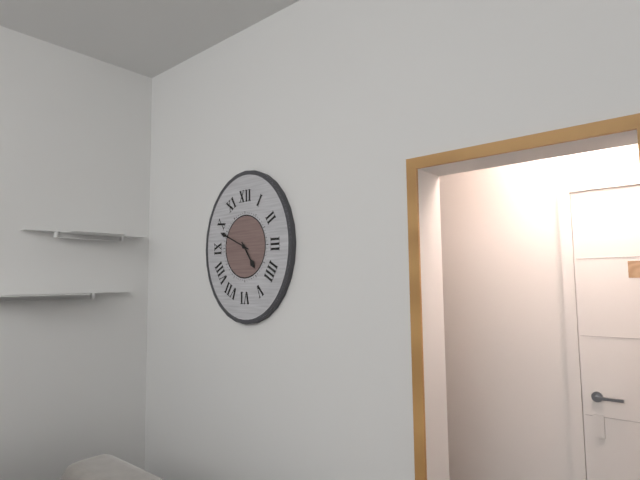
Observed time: 4h49
